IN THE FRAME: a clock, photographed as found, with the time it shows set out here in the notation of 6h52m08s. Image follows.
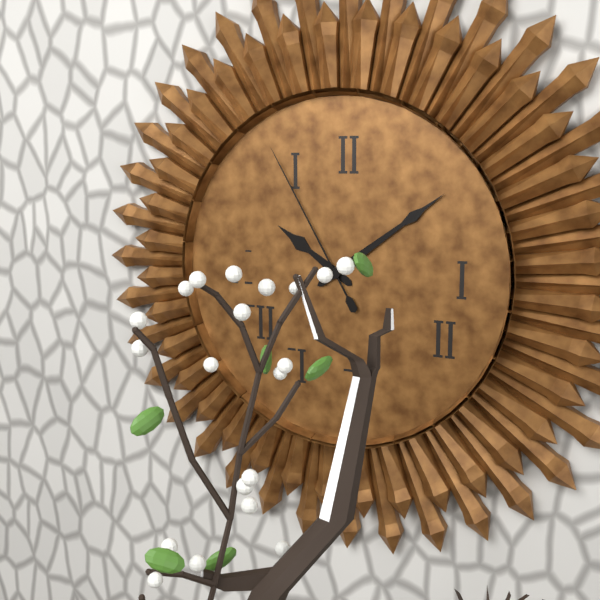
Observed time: 10h09m55s
